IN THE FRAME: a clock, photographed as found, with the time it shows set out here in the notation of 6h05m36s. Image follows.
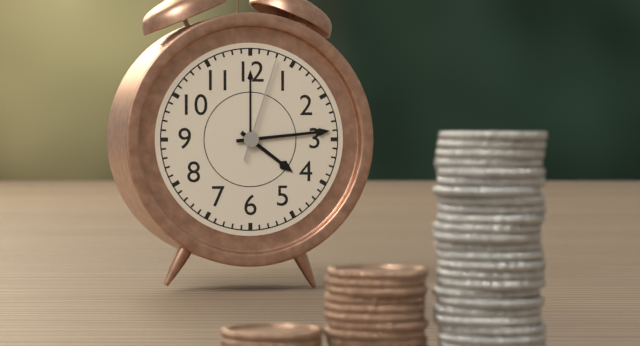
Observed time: 4h14m03s
